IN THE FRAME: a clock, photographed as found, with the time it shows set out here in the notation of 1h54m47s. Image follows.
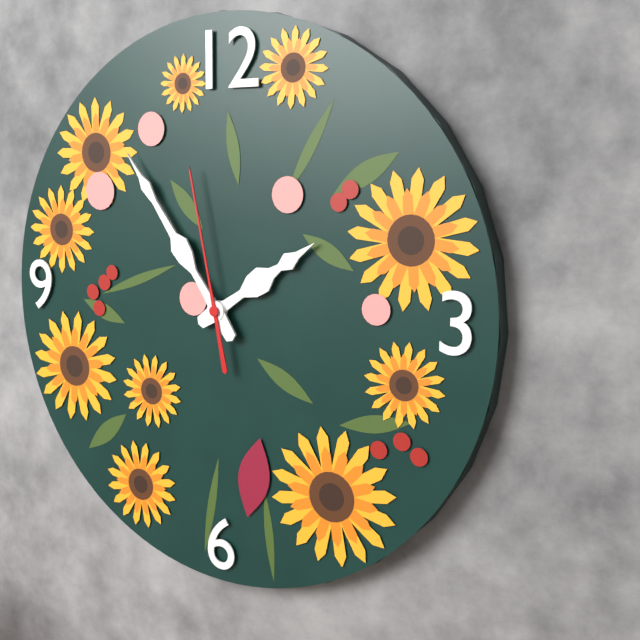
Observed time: 1h54m58s
